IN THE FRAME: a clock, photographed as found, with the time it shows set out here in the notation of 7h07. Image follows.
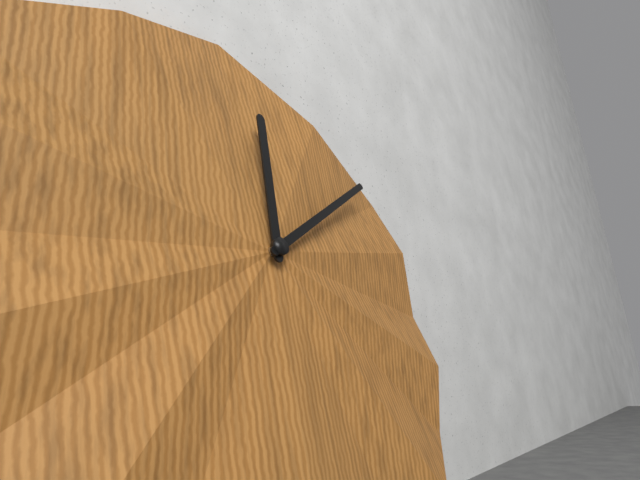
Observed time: 12h09
